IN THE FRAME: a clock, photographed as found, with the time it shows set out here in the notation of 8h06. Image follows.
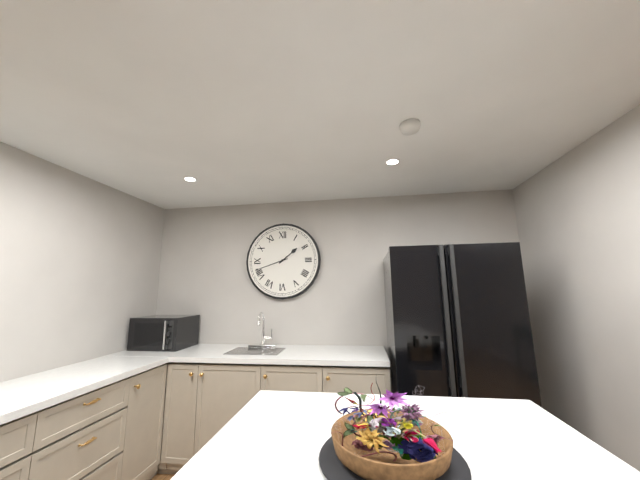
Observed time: 1h42
